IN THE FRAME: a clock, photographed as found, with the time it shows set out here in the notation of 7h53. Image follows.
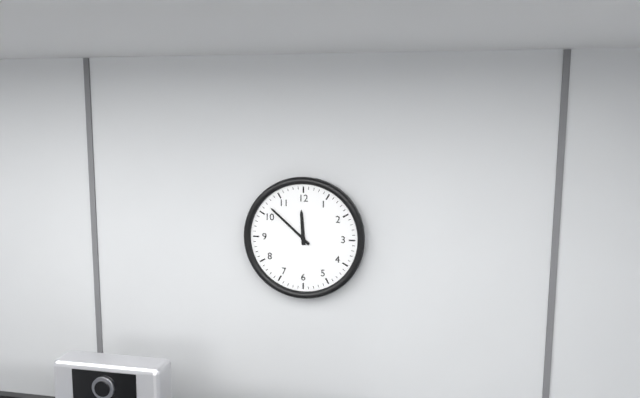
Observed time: 11h52
